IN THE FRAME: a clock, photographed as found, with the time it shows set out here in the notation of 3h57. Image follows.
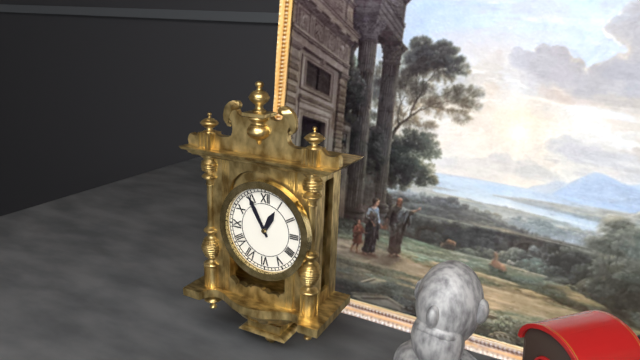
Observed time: 12h55
